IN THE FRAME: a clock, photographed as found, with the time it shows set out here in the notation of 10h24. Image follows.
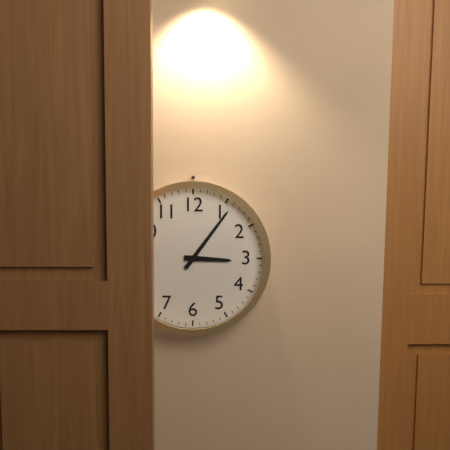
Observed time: 3h06
